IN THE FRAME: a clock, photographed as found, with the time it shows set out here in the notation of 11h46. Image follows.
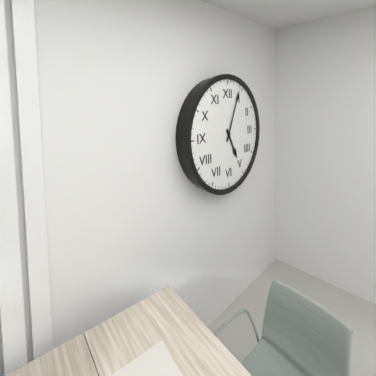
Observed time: 5h04
